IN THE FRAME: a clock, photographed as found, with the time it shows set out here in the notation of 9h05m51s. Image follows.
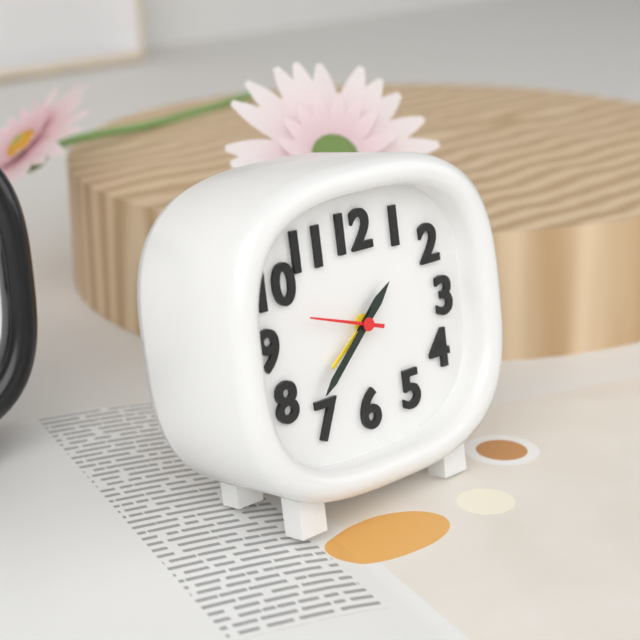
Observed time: 1h38m48s
